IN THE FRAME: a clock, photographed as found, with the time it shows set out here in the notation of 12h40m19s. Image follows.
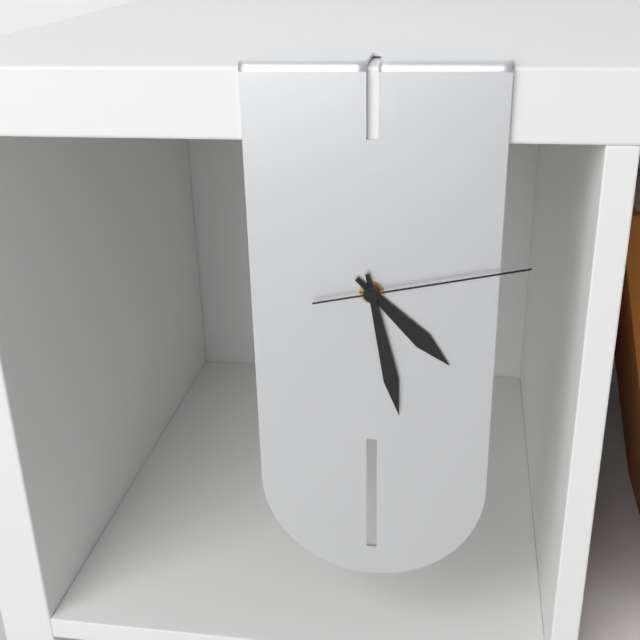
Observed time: 4h28m13s
